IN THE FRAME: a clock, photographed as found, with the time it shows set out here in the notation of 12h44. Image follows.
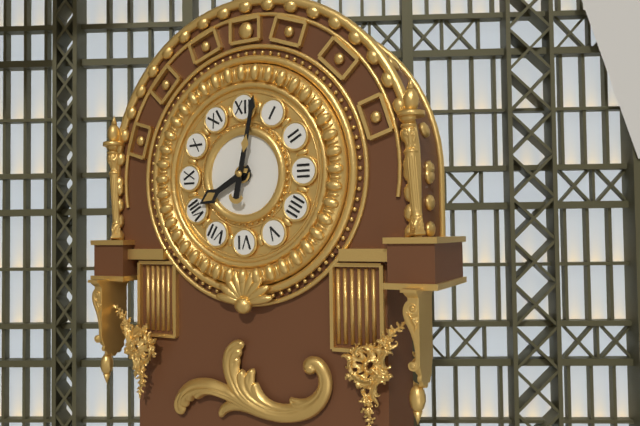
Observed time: 8h02
